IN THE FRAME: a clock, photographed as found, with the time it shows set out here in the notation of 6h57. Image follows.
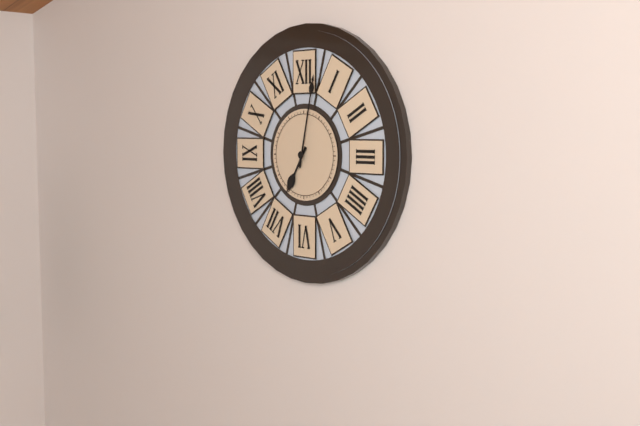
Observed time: 7h02
